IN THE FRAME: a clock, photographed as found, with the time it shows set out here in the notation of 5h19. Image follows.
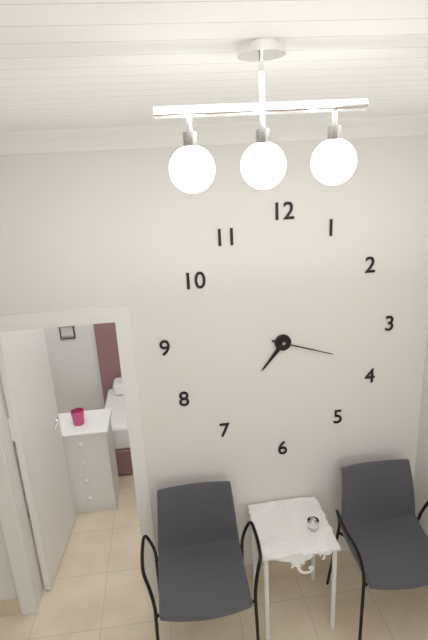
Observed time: 7h18
